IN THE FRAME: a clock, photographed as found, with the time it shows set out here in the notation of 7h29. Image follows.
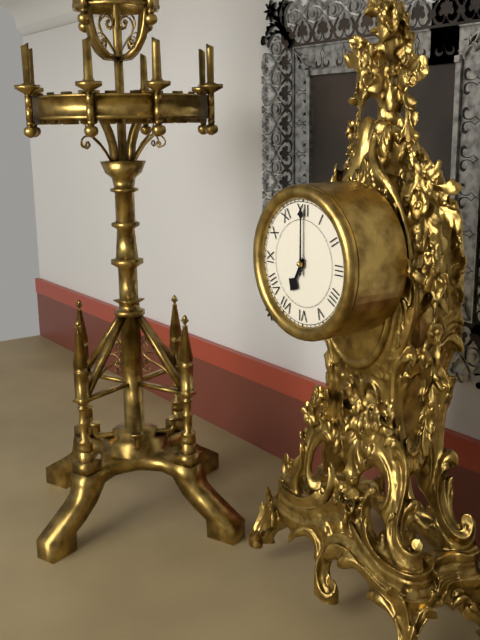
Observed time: 7h00
